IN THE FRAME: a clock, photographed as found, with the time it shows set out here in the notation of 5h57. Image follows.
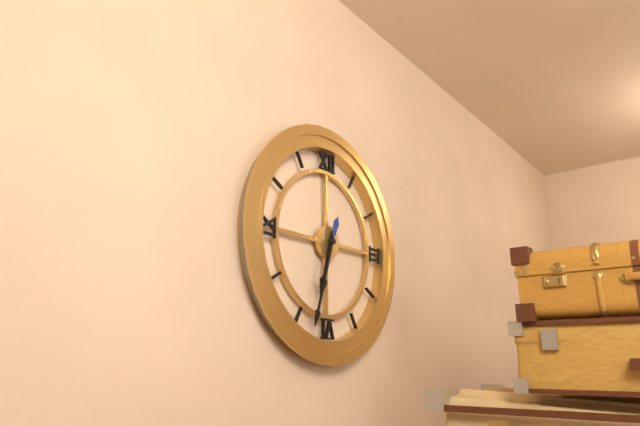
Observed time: 6h33
